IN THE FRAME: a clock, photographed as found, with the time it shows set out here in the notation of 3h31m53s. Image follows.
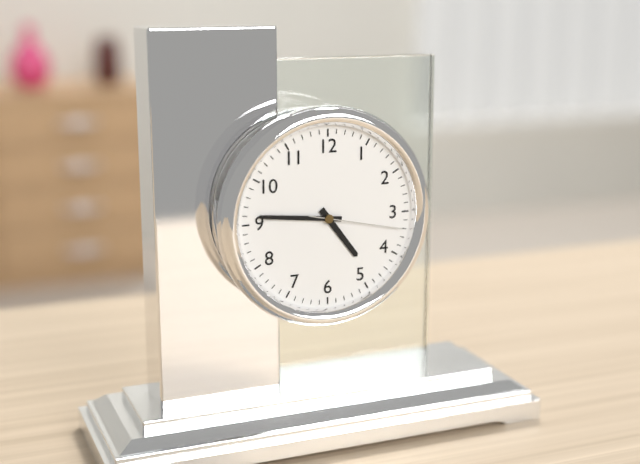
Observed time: 4h46m17s
